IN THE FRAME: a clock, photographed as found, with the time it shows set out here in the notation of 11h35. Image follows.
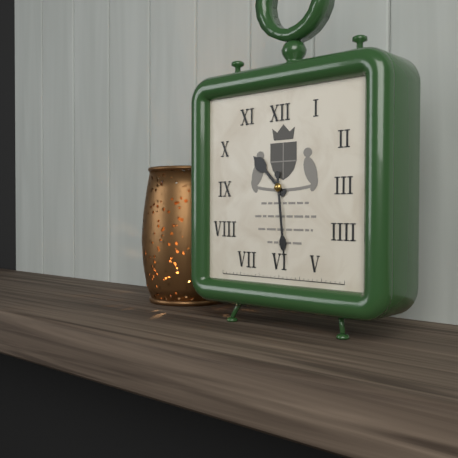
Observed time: 10h29
